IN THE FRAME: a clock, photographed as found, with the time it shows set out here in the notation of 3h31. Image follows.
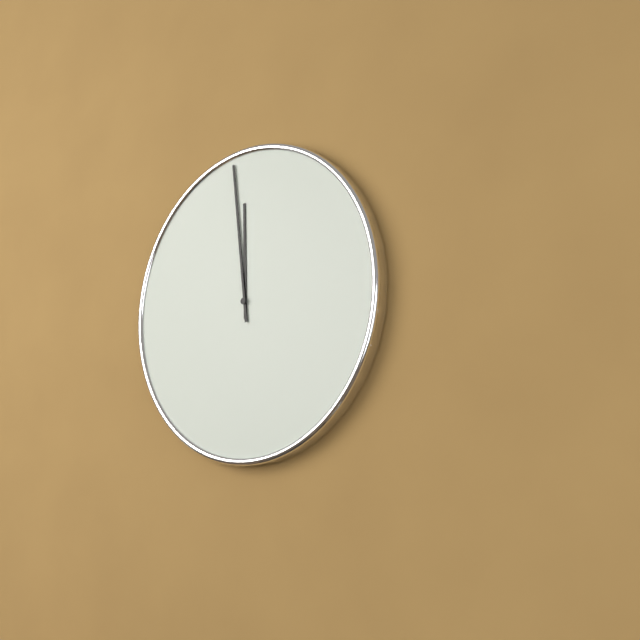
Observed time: 11h59
